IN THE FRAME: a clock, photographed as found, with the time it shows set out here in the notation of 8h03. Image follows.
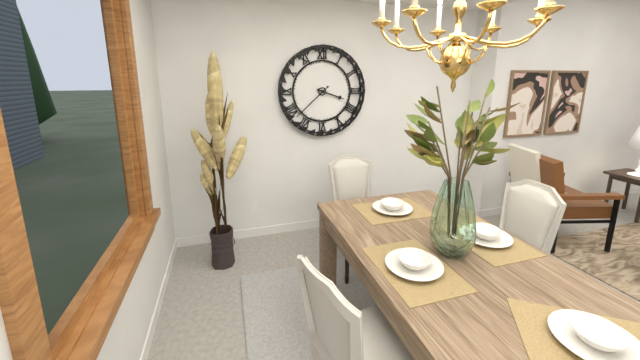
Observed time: 3h38
